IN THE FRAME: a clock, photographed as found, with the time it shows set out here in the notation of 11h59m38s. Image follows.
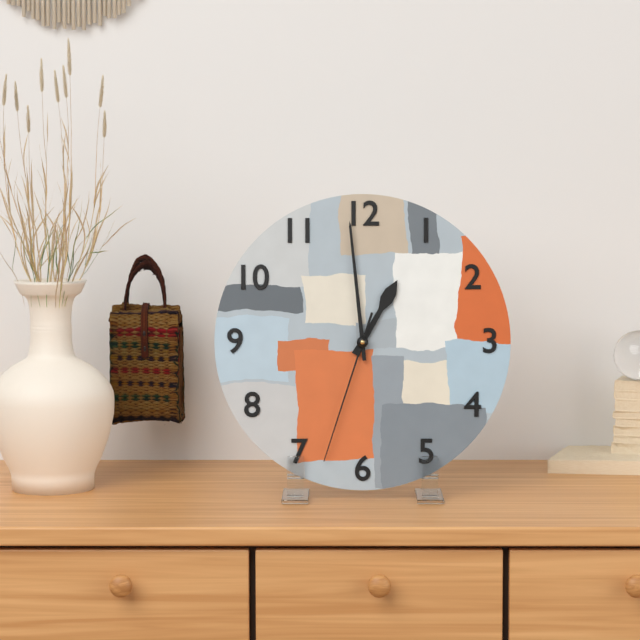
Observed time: 12h59m33s
